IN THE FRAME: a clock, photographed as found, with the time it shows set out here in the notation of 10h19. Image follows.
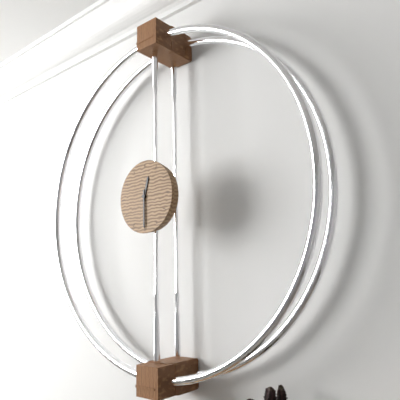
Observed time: 12h30
